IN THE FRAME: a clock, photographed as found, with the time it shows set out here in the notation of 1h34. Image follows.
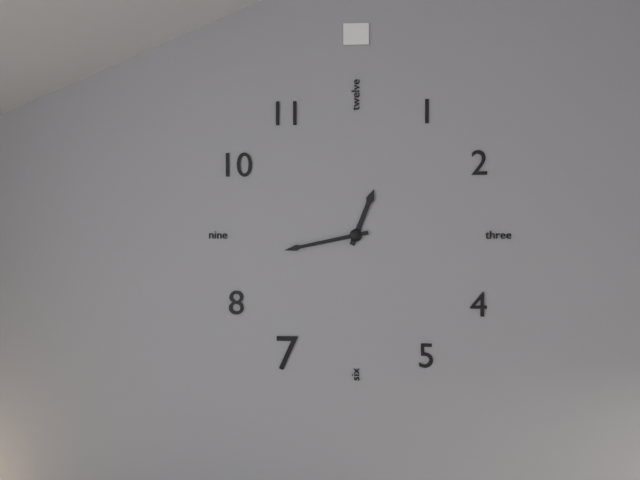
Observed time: 12h43
